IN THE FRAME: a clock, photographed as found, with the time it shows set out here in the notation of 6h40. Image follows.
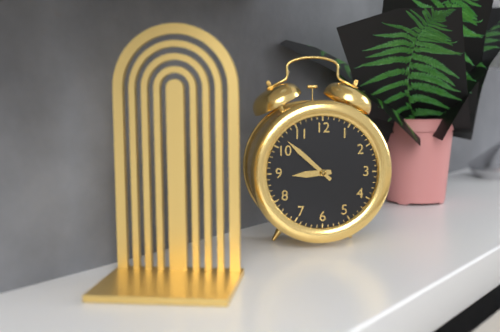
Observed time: 8h52
